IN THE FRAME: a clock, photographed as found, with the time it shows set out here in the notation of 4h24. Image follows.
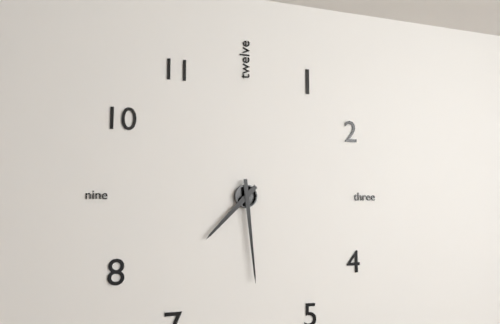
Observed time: 7h29
